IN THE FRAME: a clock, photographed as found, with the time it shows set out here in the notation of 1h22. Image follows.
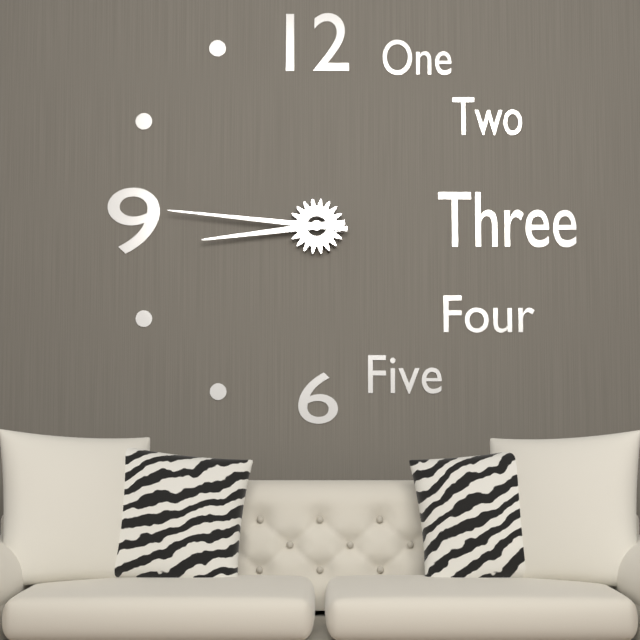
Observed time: 8h46
